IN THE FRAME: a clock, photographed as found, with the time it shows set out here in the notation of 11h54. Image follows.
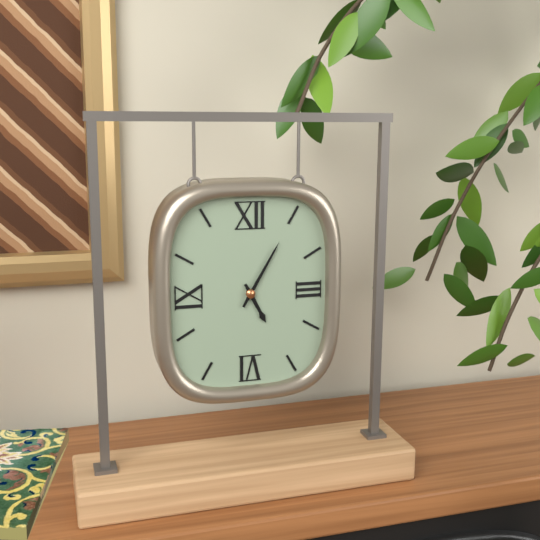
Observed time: 5h05
